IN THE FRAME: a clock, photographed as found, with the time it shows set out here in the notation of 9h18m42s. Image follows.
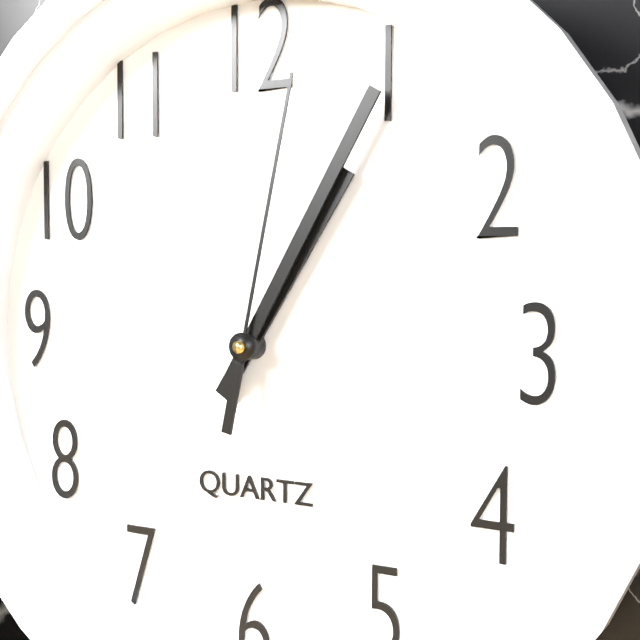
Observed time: 1h05m02s
